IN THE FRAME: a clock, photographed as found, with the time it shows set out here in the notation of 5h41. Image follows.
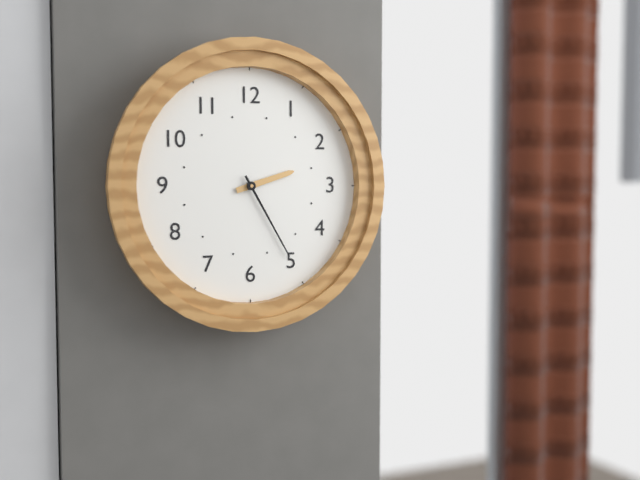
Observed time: 2h25
